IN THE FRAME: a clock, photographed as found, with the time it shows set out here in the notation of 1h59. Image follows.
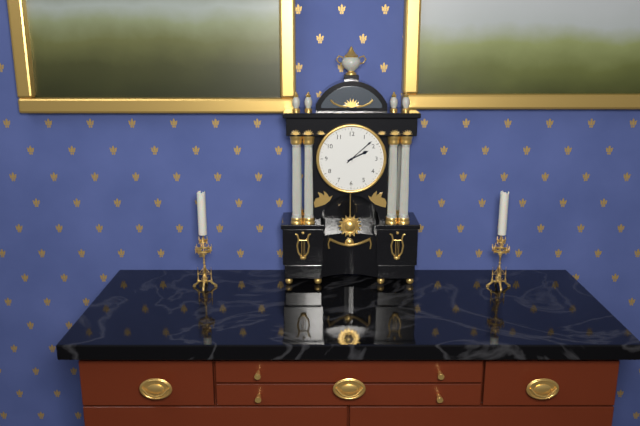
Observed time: 2h08
